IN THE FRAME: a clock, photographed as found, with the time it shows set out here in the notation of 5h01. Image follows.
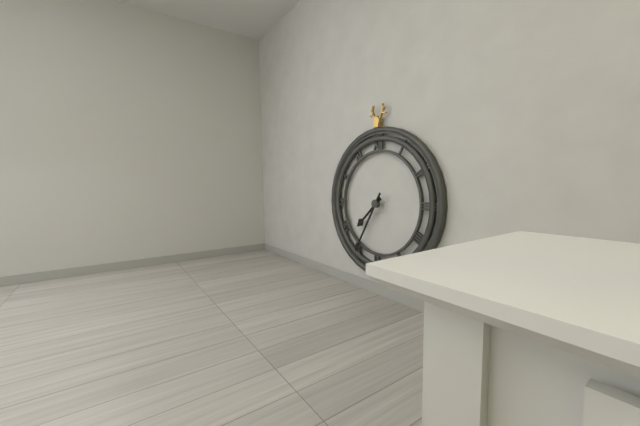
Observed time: 7h35
